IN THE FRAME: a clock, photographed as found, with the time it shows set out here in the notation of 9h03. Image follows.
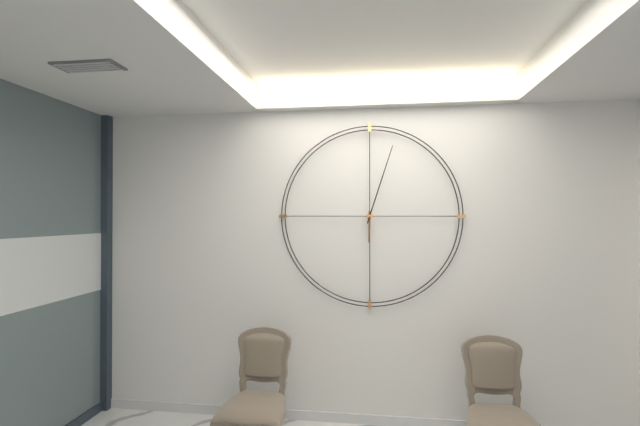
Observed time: 6h03
